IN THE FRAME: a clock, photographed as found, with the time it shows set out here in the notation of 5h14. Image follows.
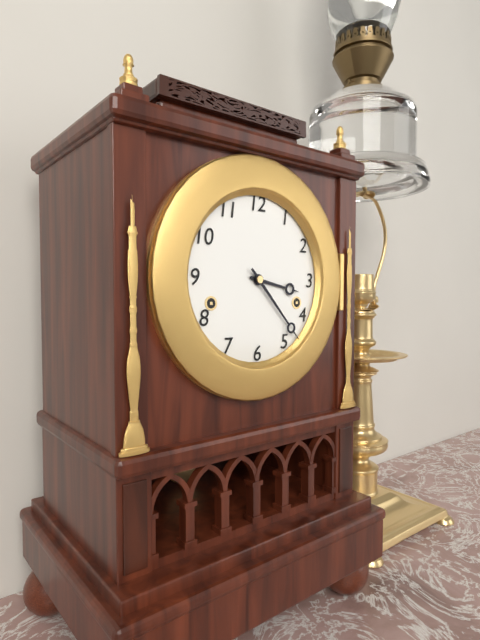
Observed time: 3h23
